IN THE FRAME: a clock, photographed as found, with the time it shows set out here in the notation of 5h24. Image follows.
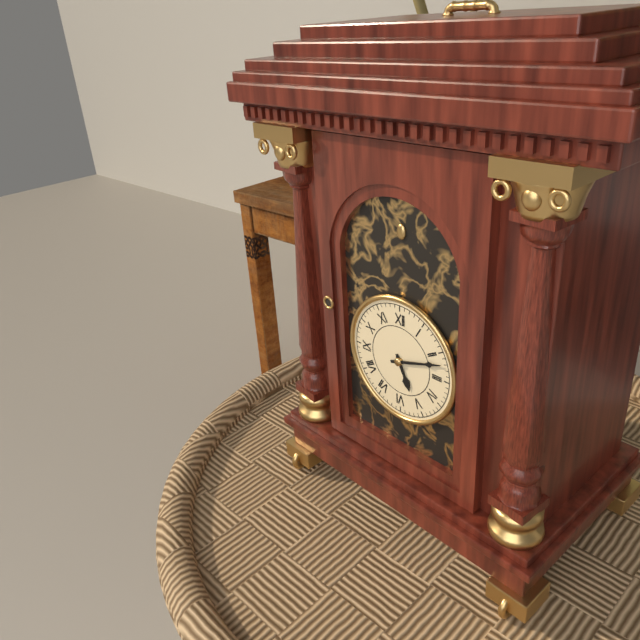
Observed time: 5h12
